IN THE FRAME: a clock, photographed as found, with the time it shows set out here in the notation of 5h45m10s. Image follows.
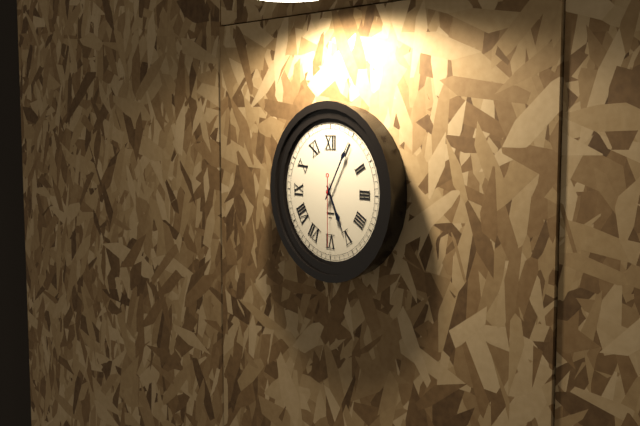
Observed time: 5h05m30s
